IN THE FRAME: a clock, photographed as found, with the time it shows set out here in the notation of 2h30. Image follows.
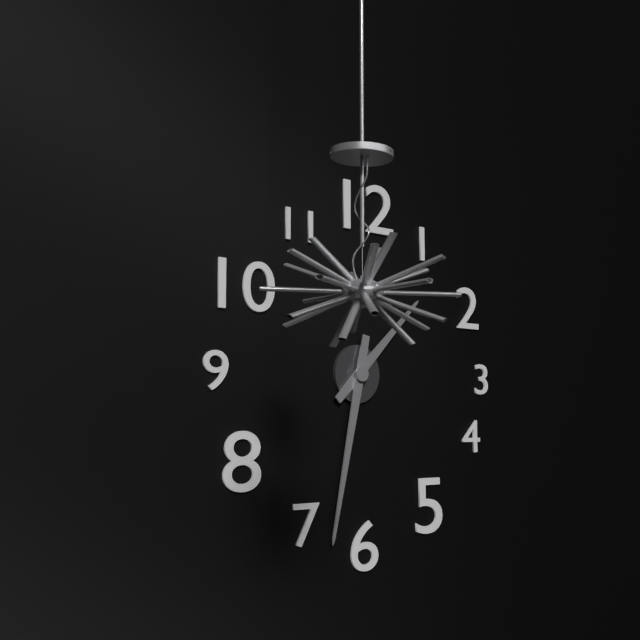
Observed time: 1h32
